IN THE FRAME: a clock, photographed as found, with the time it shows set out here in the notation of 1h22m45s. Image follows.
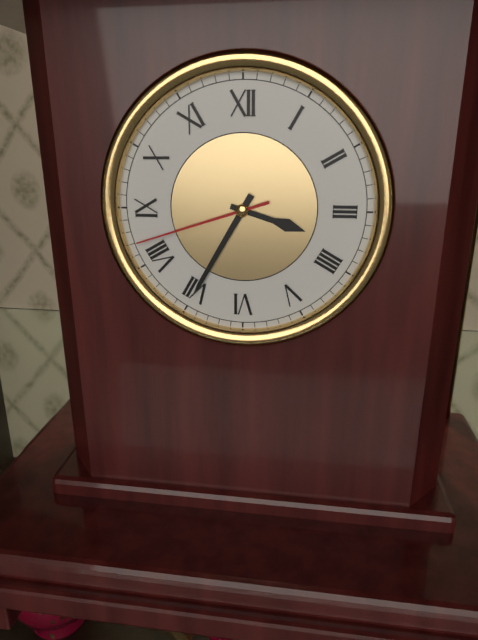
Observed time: 3h35m42s
